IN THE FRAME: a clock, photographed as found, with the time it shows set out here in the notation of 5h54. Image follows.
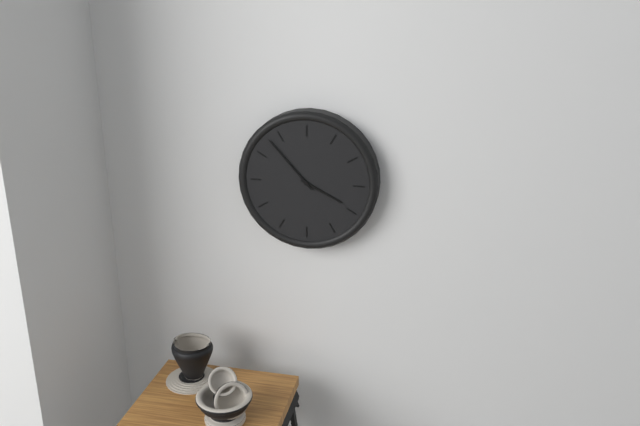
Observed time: 3h53
